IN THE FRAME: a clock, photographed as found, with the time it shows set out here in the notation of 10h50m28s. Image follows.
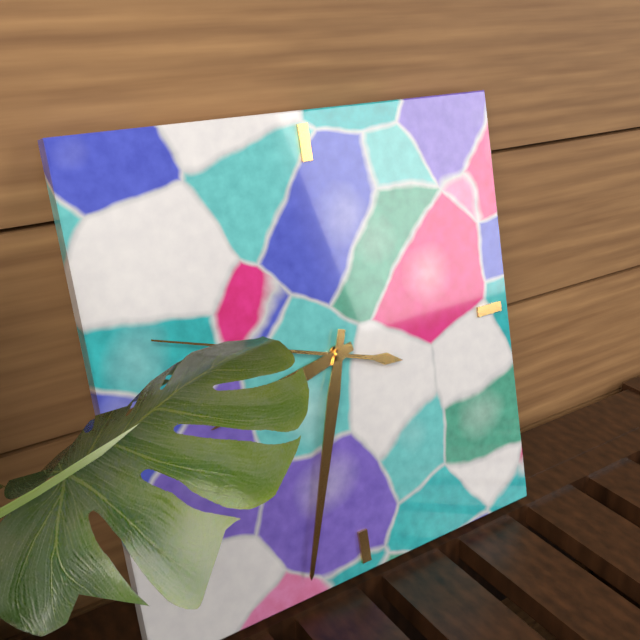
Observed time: 8h33m48s
